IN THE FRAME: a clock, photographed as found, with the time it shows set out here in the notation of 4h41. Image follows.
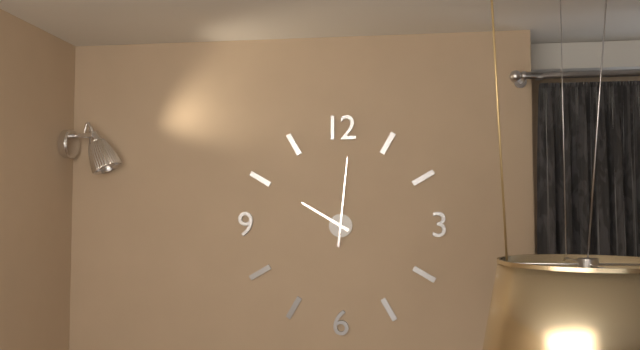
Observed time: 10h01
